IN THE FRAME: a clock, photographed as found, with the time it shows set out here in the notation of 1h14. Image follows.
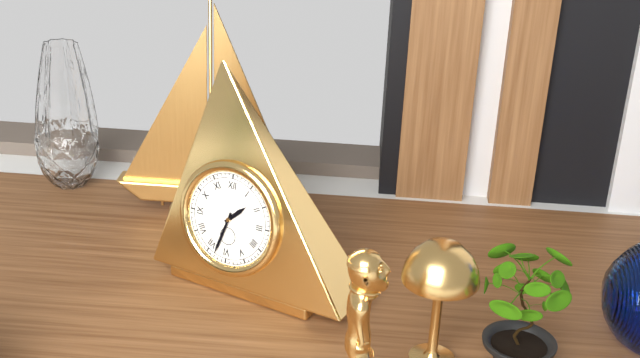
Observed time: 1h33
